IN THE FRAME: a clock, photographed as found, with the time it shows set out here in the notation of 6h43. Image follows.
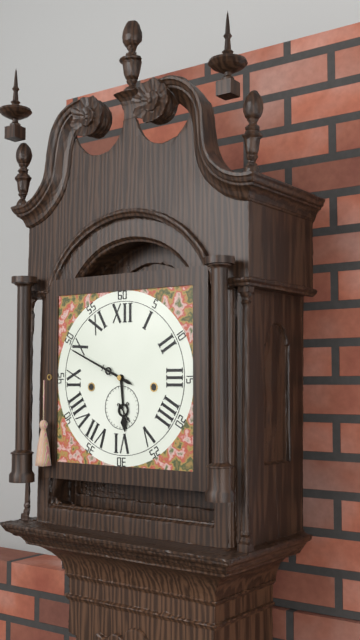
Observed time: 5h49
